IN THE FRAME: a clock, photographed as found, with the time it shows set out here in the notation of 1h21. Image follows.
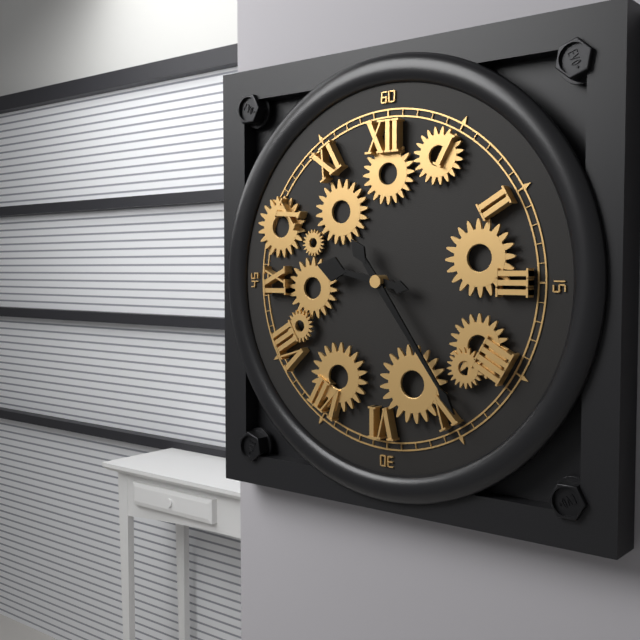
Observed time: 9h24
